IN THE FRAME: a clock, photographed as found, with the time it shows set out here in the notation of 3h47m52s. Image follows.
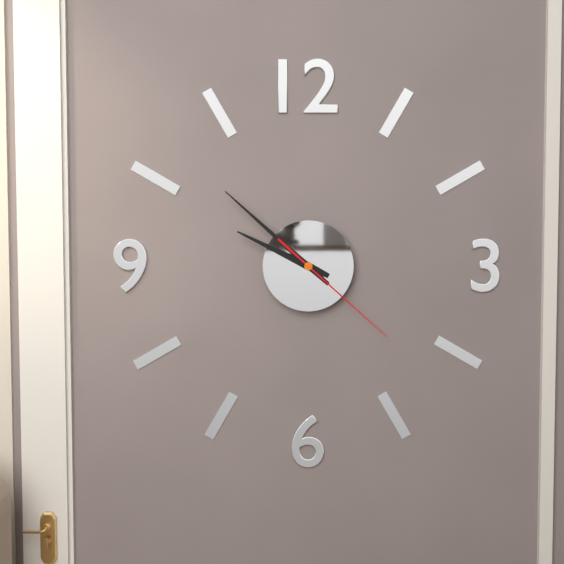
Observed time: 9h52m22s
